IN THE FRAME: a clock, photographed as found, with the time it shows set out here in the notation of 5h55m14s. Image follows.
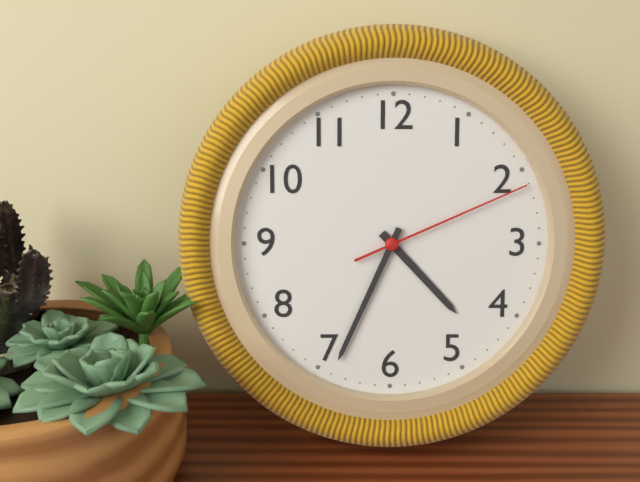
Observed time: 4h34m11s
